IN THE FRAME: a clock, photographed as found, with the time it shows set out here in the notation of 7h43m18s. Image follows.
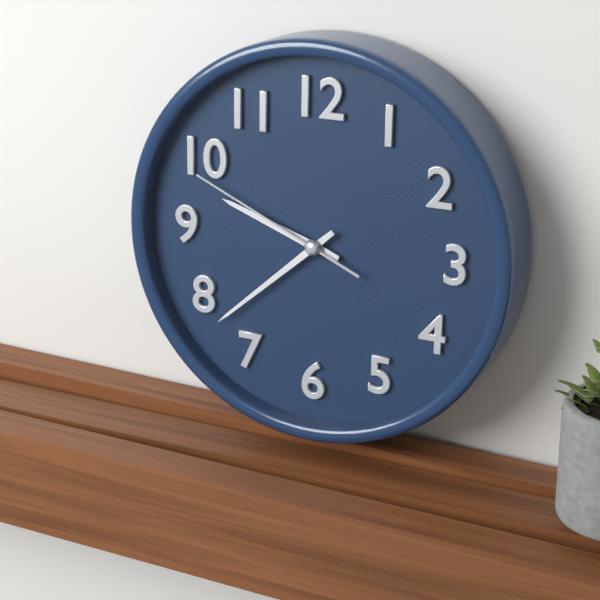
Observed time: 9h38m49s
